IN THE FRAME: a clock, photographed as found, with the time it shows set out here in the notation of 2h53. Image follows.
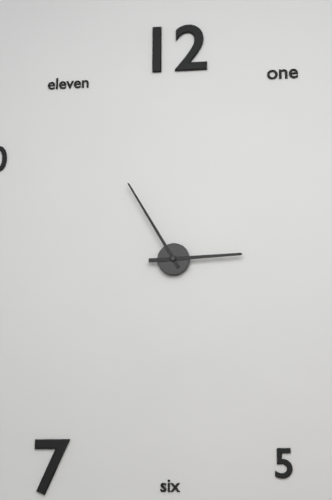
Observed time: 2h55
